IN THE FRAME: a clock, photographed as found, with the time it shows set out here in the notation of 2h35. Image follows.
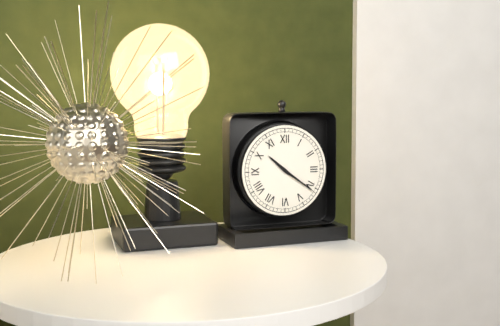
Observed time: 10h21
